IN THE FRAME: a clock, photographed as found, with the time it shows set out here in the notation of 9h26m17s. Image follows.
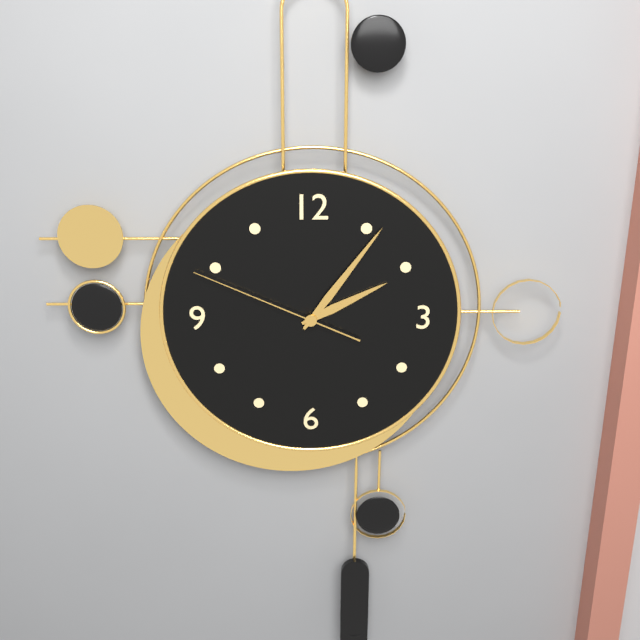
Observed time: 2h06m49s
